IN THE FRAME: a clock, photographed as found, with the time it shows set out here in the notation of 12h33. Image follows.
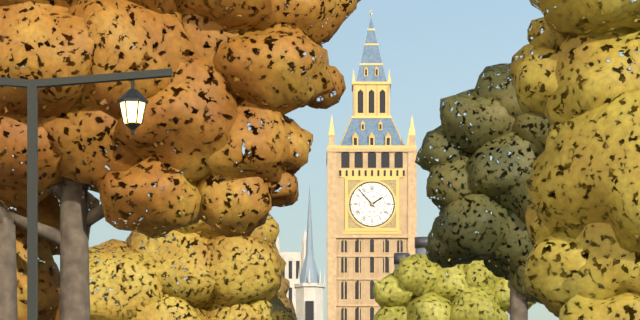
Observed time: 1h53
